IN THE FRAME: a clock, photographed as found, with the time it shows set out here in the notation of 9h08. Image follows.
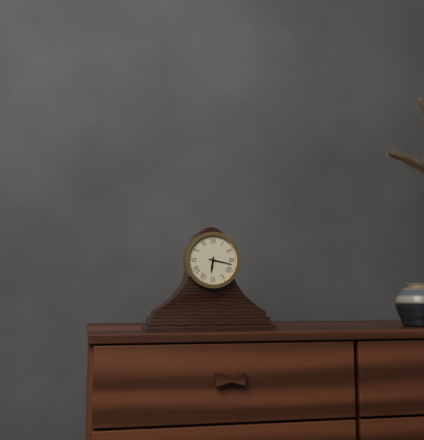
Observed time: 6h17
